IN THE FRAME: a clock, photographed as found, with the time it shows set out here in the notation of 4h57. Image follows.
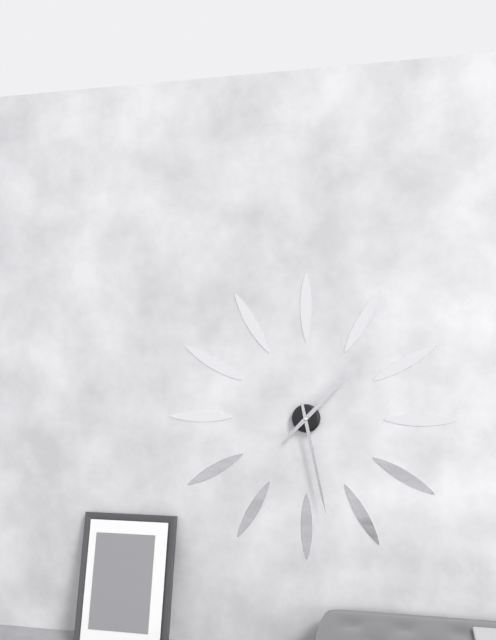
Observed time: 1h28
